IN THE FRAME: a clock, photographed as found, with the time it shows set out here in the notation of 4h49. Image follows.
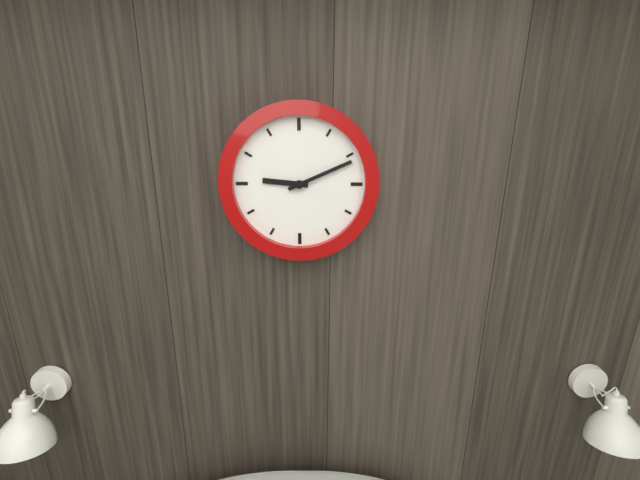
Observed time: 9h11
